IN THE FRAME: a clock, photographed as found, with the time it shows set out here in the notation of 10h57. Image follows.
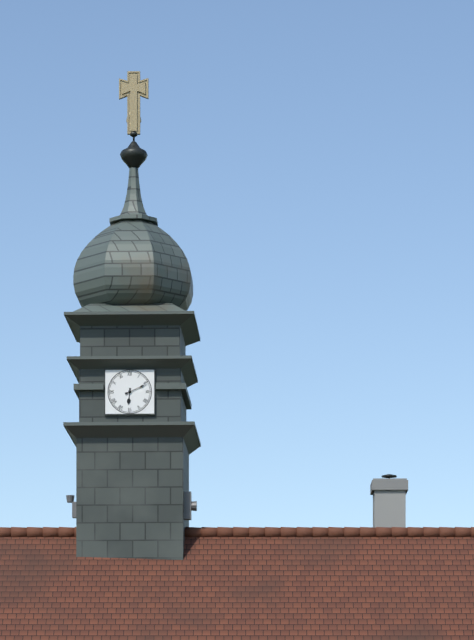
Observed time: 6h11
